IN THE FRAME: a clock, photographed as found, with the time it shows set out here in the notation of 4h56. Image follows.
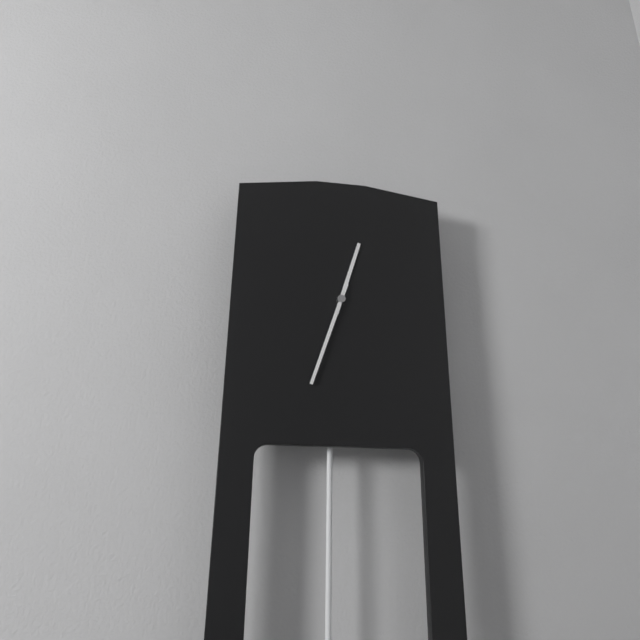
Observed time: 12h33
